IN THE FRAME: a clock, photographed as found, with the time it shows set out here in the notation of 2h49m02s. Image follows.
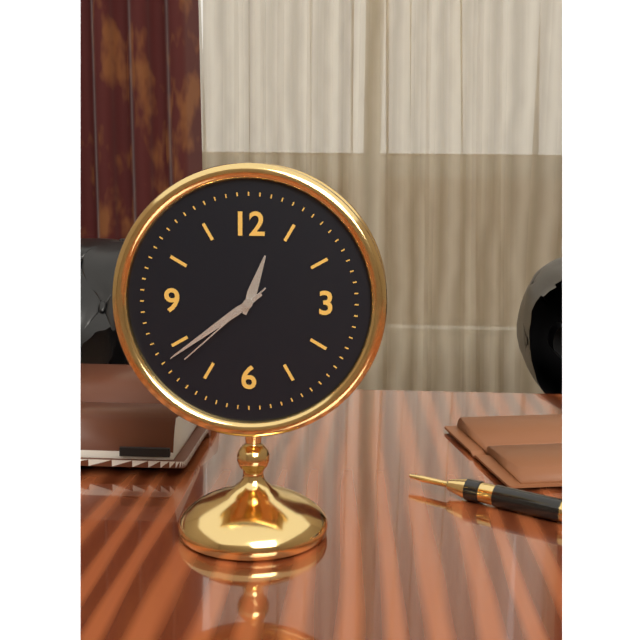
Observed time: 12h39m38s
